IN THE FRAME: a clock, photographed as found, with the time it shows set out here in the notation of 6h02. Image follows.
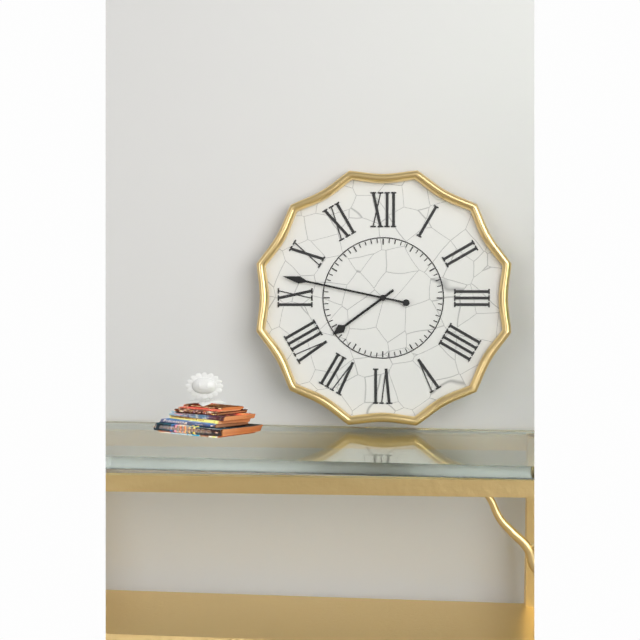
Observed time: 7h47
